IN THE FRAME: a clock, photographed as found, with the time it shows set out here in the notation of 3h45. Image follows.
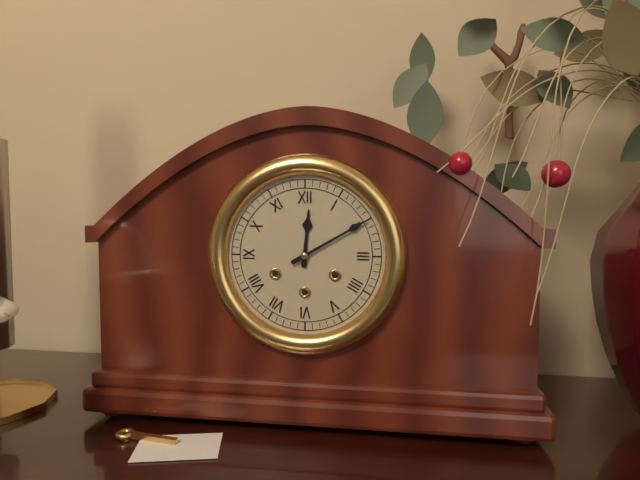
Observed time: 12h10
